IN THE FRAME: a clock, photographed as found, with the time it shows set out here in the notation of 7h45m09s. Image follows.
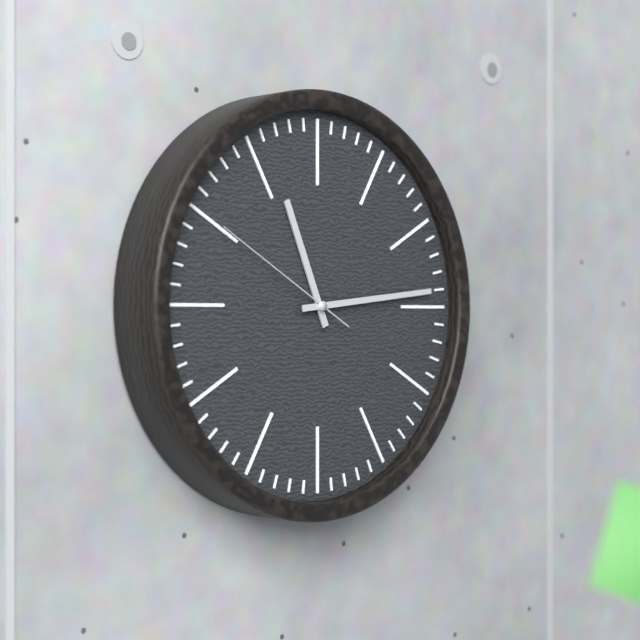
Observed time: 11h14m50s
